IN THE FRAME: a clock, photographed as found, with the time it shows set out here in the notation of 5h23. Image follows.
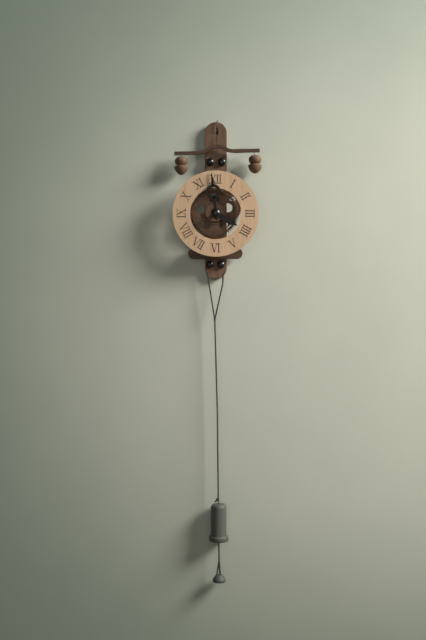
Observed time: 3h59
